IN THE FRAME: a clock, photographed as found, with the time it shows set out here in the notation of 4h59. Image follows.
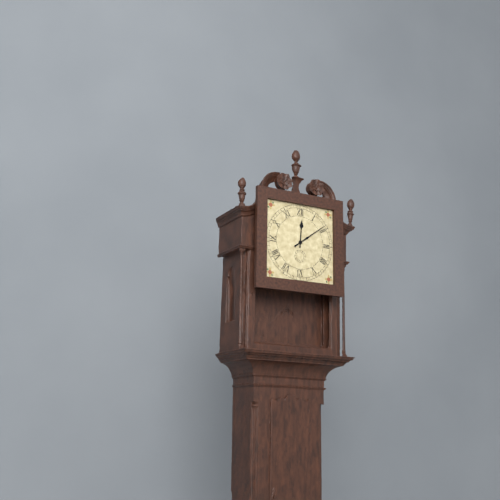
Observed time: 12h09
